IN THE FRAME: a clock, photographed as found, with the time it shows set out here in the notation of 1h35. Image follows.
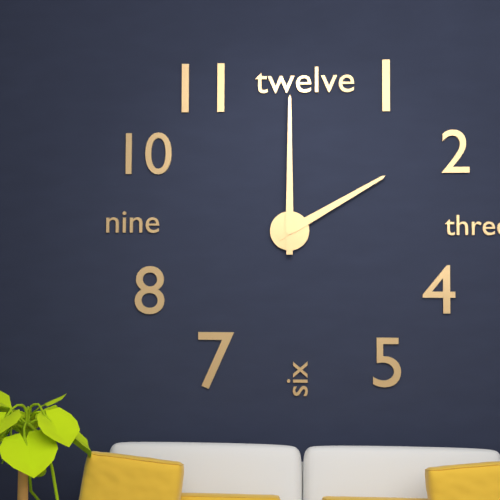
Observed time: 2h00
